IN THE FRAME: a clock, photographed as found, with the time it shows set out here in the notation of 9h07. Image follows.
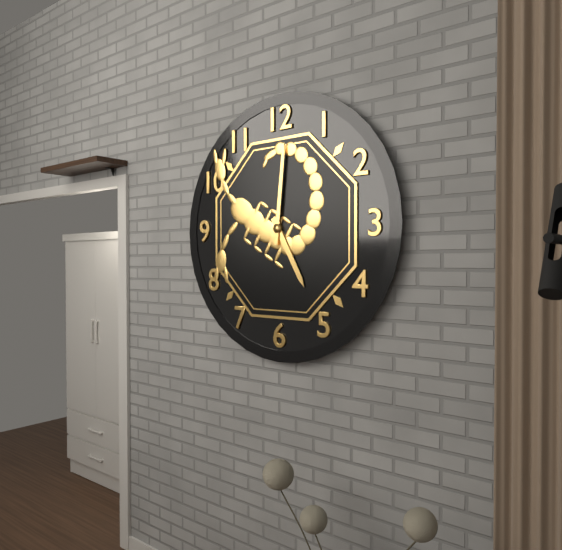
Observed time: 5h01
